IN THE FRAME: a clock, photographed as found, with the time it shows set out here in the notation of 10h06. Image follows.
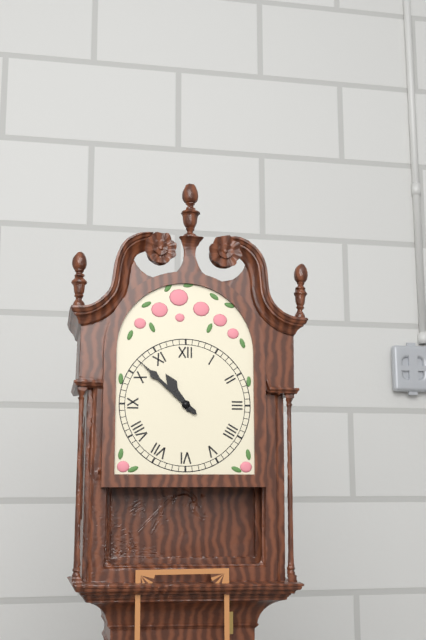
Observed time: 10h52
